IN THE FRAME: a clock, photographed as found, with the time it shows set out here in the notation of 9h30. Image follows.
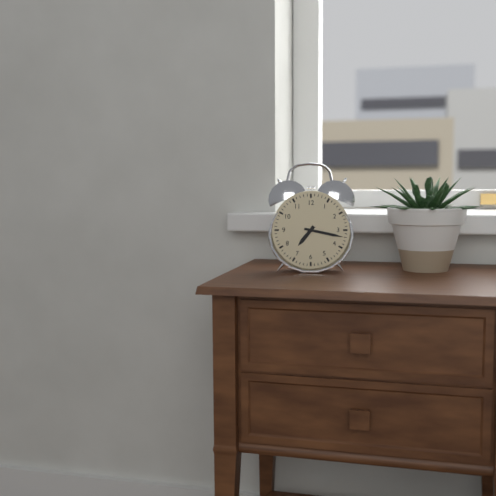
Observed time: 7h17
